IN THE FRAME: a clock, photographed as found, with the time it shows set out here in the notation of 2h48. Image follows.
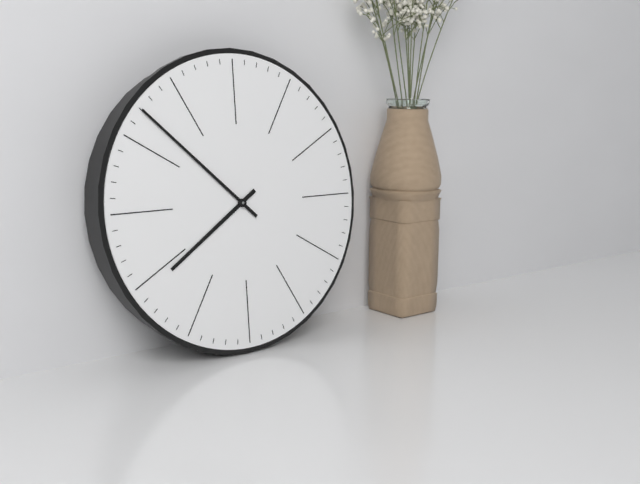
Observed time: 7h52
